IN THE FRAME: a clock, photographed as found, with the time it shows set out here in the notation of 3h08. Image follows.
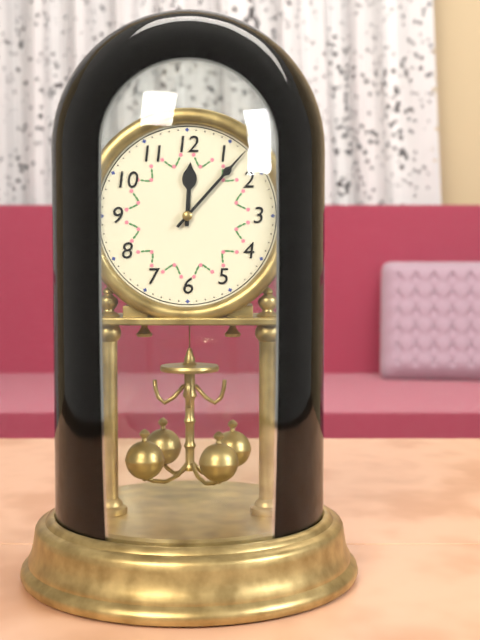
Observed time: 12h07
